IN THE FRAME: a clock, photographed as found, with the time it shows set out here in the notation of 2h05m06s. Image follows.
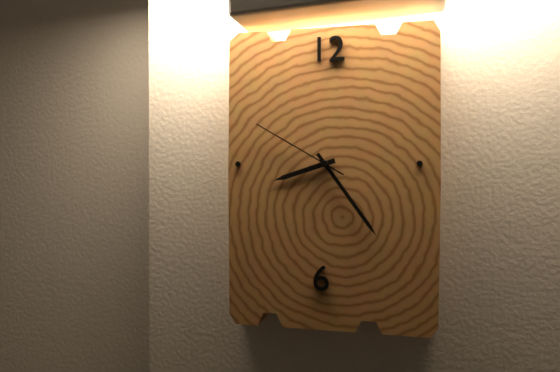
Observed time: 8h24m50s
